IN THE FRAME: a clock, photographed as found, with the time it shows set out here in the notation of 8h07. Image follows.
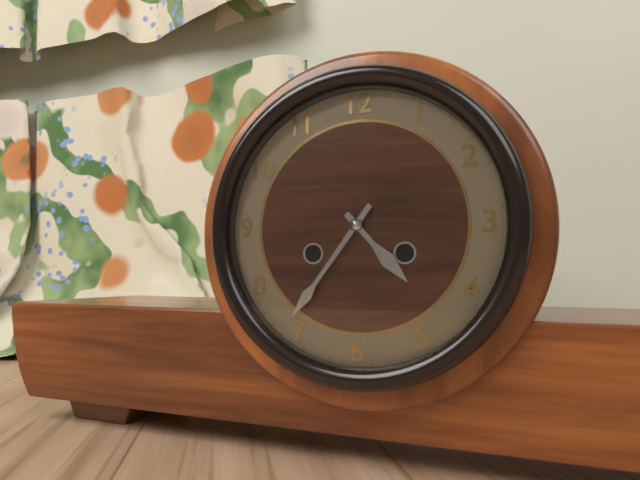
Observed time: 4h36
